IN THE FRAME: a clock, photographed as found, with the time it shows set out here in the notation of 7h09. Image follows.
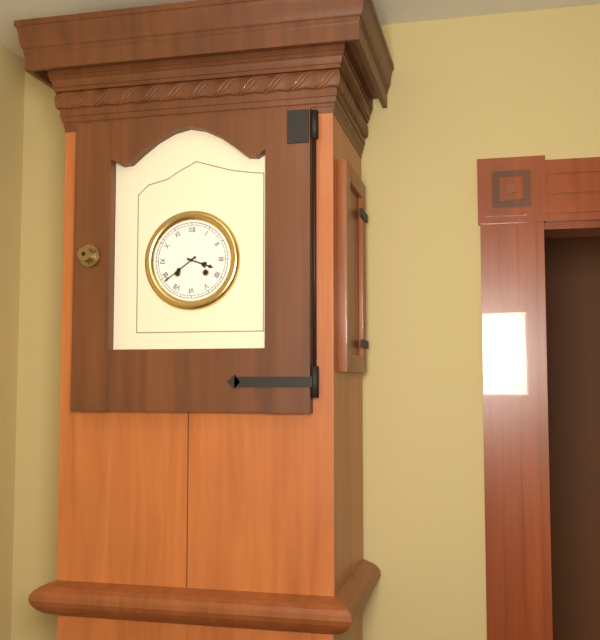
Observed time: 3h39
